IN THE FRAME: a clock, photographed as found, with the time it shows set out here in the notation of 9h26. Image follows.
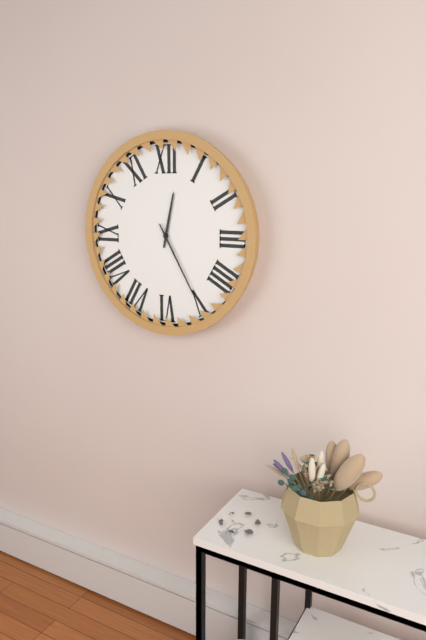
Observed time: 12h25
